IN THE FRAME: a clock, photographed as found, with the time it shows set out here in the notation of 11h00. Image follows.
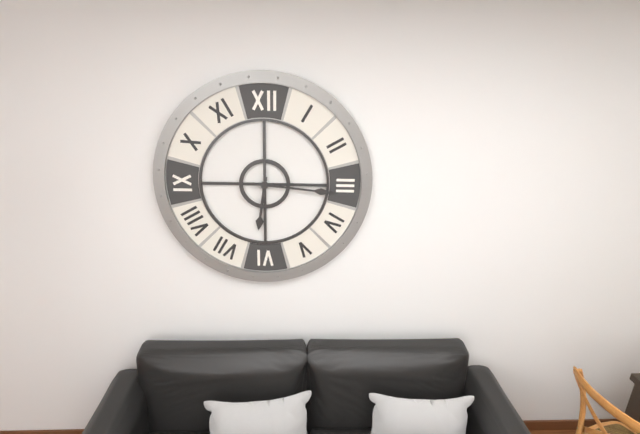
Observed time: 6h16
